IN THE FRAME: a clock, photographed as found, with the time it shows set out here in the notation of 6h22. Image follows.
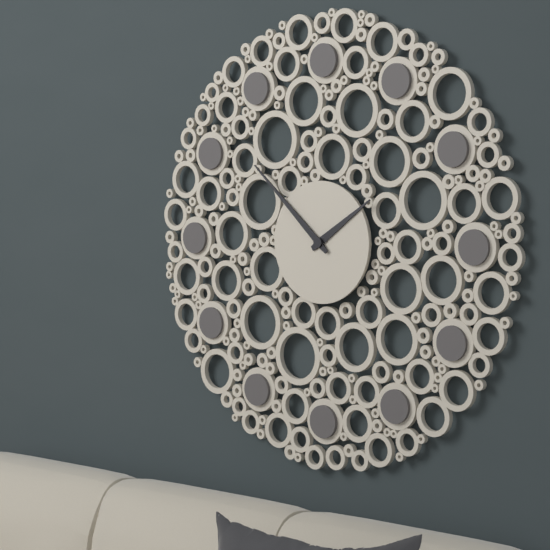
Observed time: 1h52
